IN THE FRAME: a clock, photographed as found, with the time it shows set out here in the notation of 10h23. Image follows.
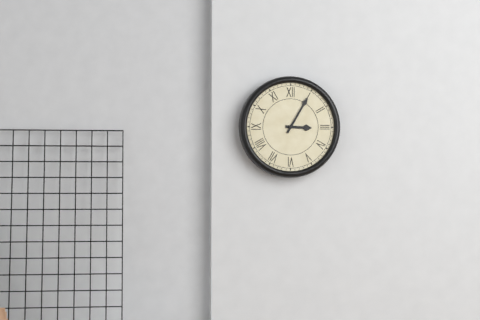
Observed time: 3h05
